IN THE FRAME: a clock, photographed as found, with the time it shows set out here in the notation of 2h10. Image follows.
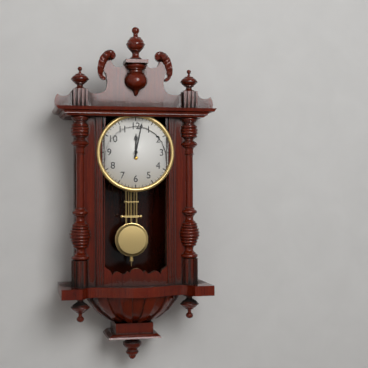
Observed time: 12h02
